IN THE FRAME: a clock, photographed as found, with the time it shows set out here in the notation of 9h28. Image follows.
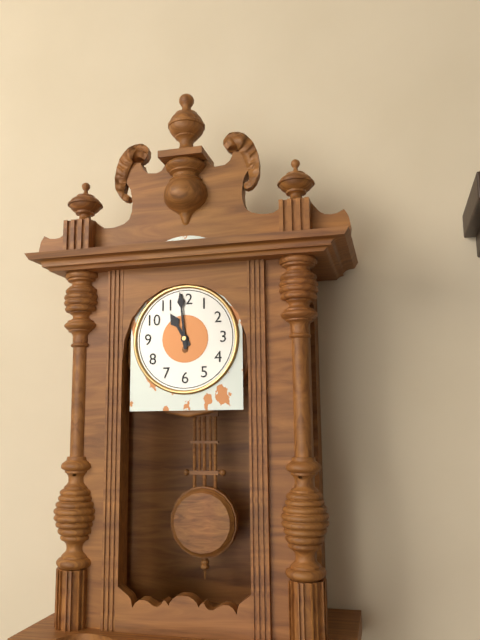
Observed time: 10h59
